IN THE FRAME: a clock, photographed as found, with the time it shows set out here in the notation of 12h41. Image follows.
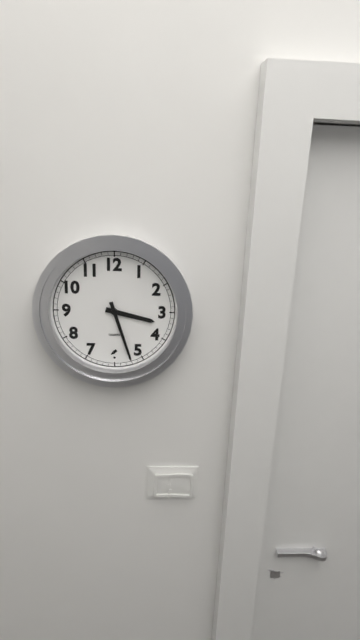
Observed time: 3h27
